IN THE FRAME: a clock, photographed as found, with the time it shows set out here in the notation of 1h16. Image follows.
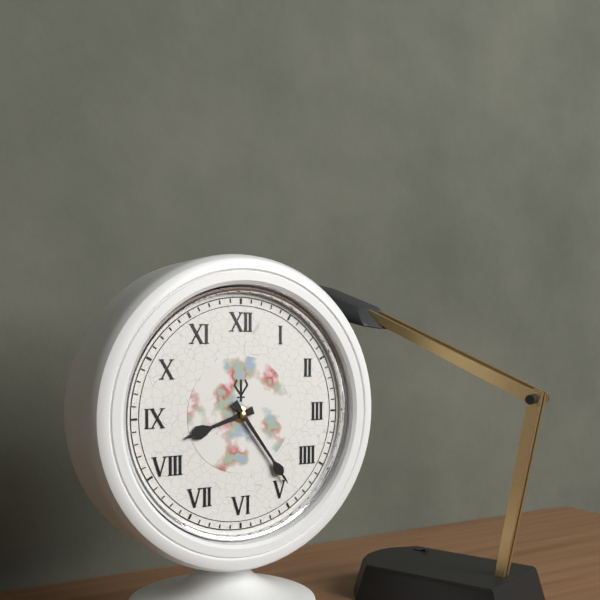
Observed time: 8h24
